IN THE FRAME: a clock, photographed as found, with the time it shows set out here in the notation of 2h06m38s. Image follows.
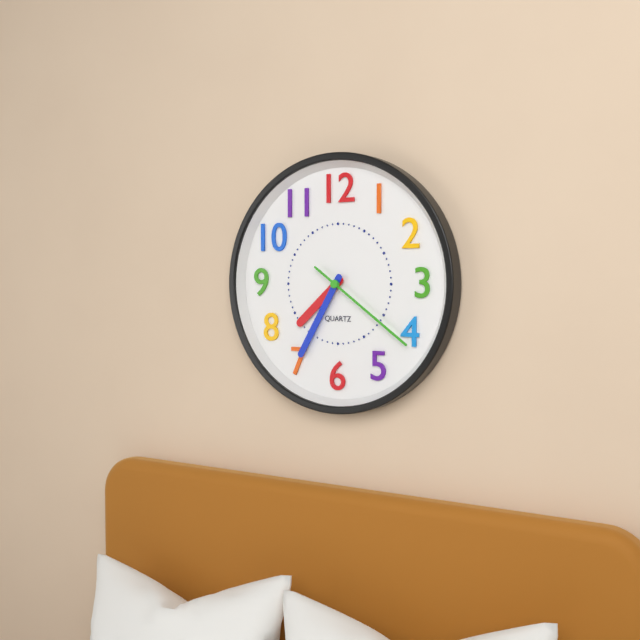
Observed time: 7h35m21s
